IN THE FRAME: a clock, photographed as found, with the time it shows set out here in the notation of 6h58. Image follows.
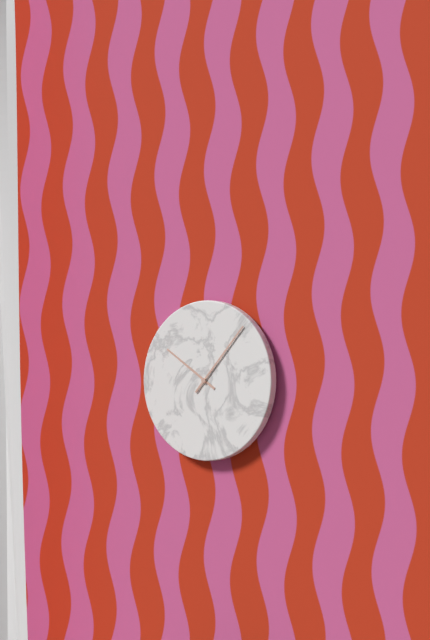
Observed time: 10h07
